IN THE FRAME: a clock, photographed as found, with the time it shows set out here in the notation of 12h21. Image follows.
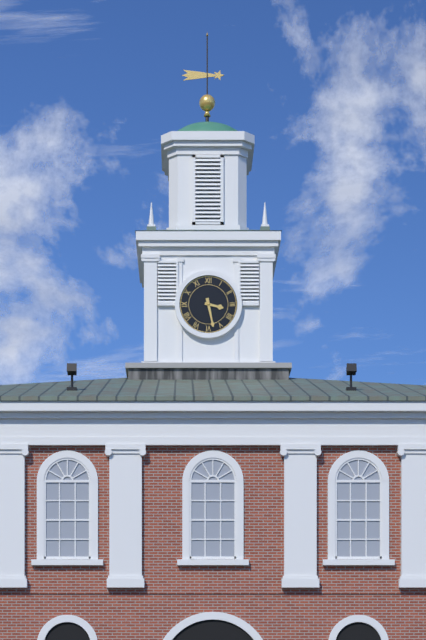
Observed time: 3h28
